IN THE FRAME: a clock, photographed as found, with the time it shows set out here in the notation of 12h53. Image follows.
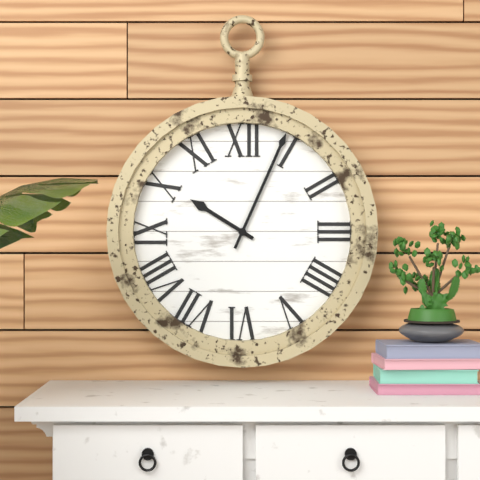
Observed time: 10h04
